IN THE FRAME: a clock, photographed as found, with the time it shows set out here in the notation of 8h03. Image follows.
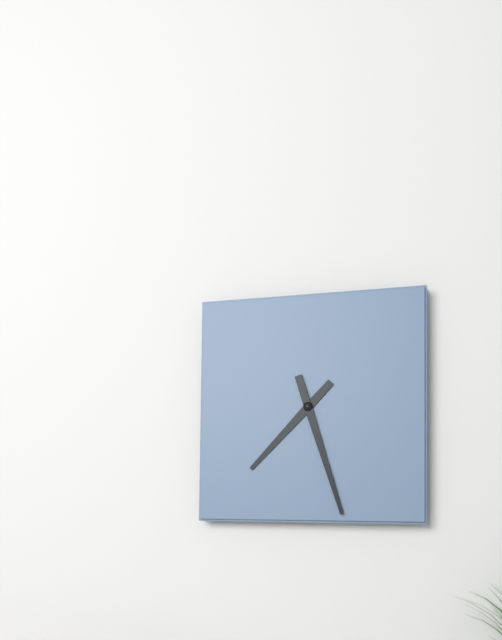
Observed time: 7h27
